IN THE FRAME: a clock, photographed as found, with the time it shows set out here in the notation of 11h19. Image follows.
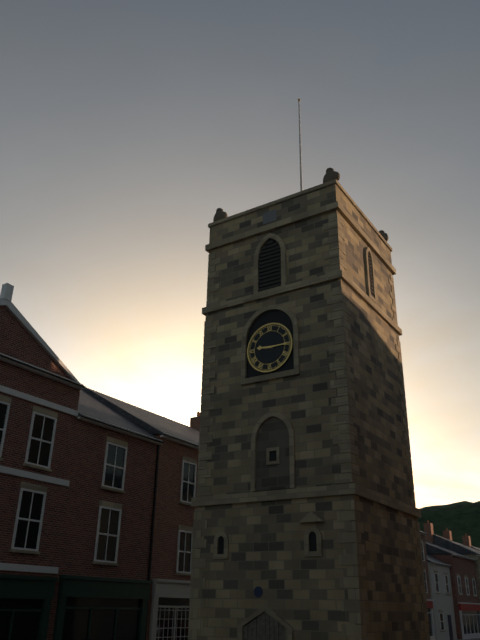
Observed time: 9h15
